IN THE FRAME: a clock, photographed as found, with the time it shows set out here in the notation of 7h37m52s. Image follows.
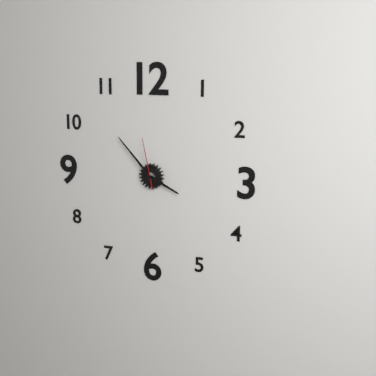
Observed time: 3h53m58s
